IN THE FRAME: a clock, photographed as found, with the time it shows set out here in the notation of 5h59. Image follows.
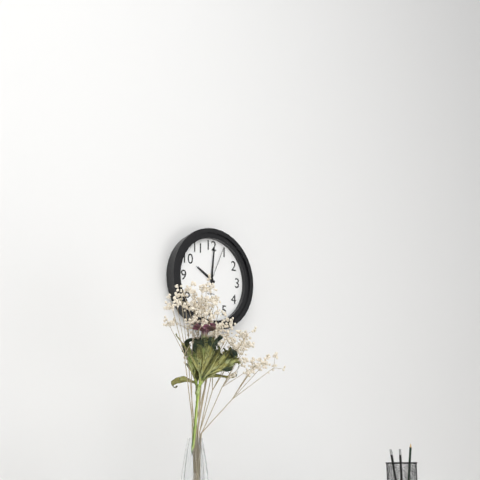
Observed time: 10h01
